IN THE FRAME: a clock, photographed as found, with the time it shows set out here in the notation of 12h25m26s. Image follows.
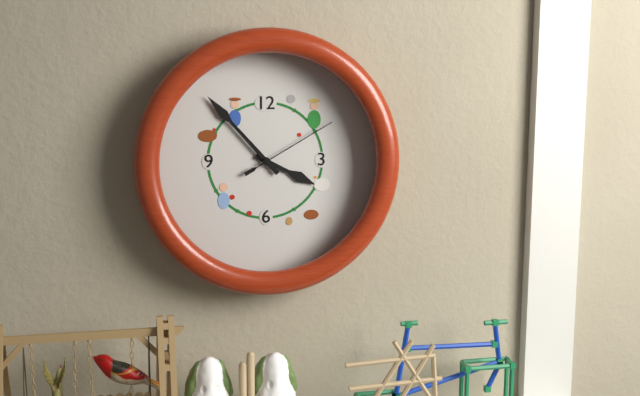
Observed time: 3h53m10s
